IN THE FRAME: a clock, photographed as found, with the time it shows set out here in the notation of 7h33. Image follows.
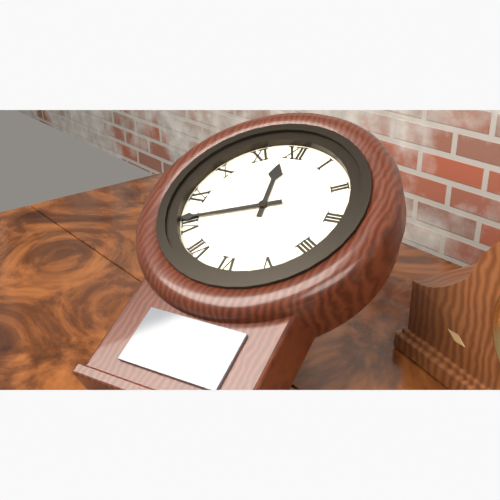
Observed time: 11h41
